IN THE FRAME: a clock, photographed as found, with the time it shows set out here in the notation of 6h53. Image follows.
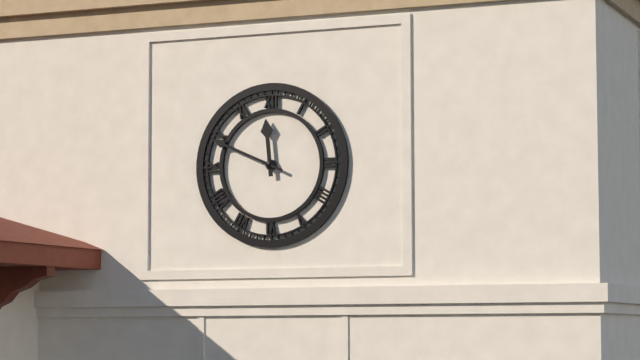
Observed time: 11h49
